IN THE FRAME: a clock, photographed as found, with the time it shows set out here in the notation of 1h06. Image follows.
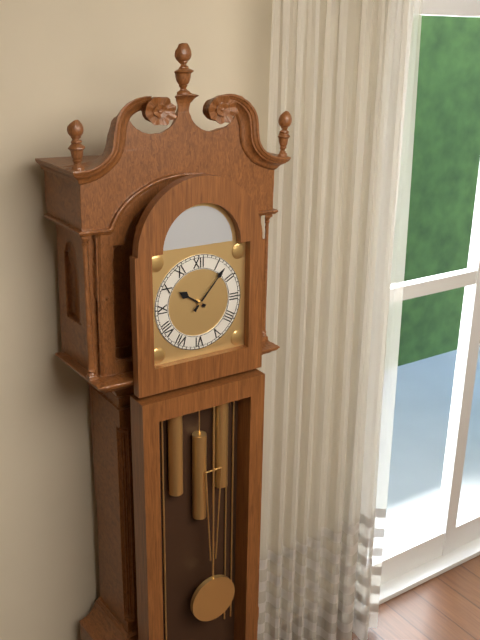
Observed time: 10h07
